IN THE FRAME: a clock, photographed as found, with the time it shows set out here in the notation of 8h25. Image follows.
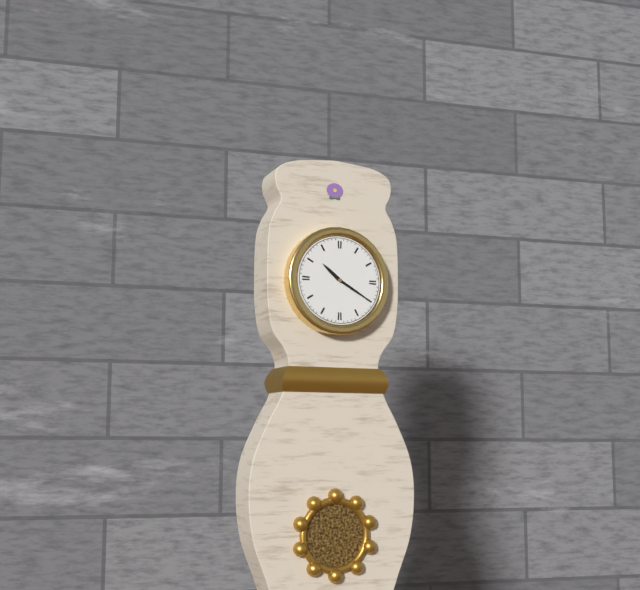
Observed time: 10h20
